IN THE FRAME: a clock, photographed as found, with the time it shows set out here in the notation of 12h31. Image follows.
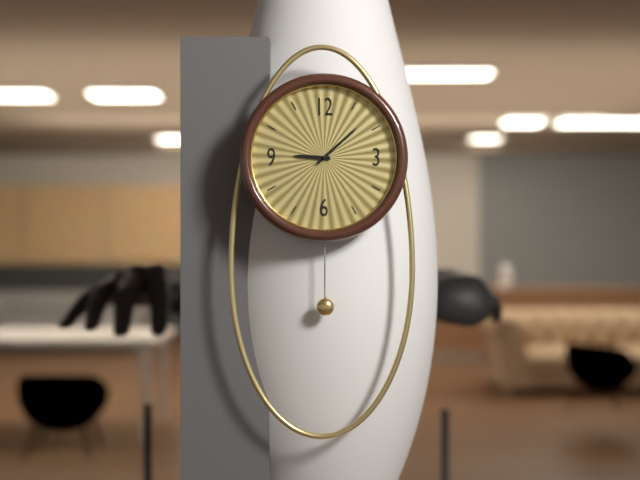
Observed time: 9h08
